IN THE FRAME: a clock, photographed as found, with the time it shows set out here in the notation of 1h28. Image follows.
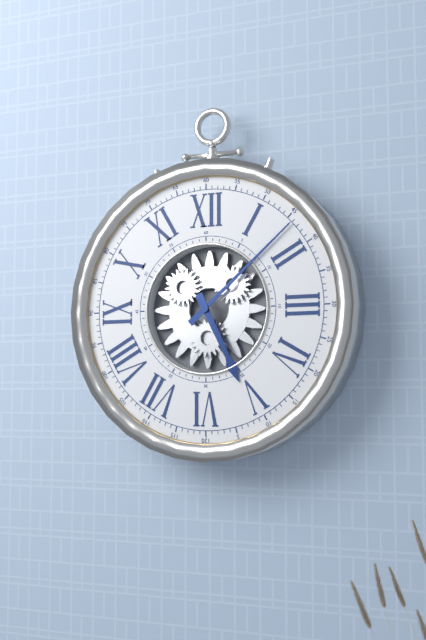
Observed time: 5h08
